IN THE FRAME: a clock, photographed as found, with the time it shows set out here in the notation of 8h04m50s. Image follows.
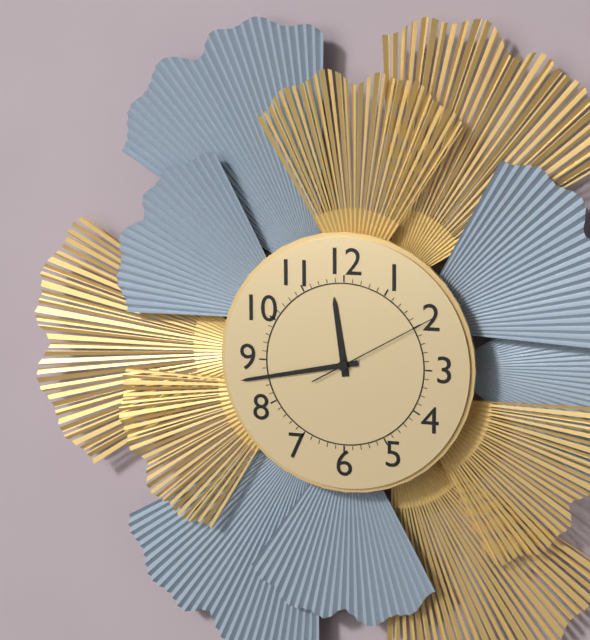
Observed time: 11h43m10s
